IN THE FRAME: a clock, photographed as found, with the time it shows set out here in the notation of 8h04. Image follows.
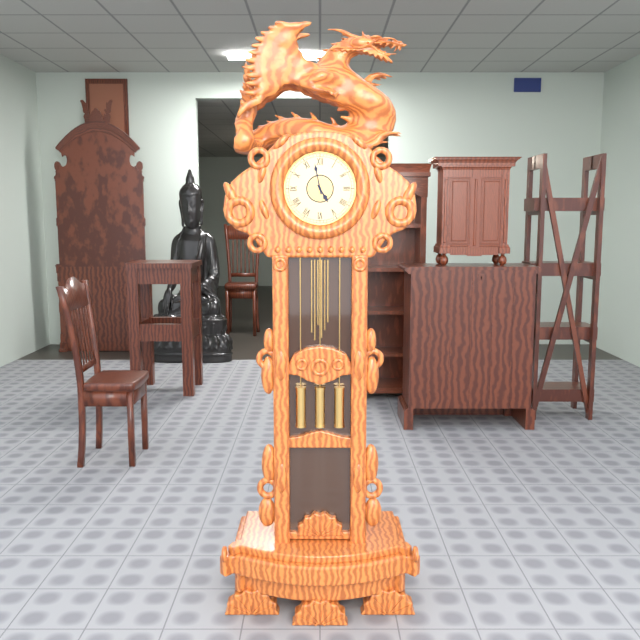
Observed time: 4h58
